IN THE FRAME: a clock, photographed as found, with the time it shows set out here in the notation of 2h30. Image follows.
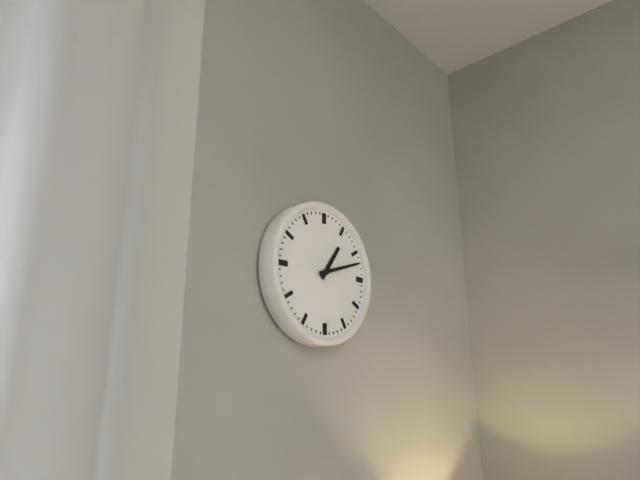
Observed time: 1h12
